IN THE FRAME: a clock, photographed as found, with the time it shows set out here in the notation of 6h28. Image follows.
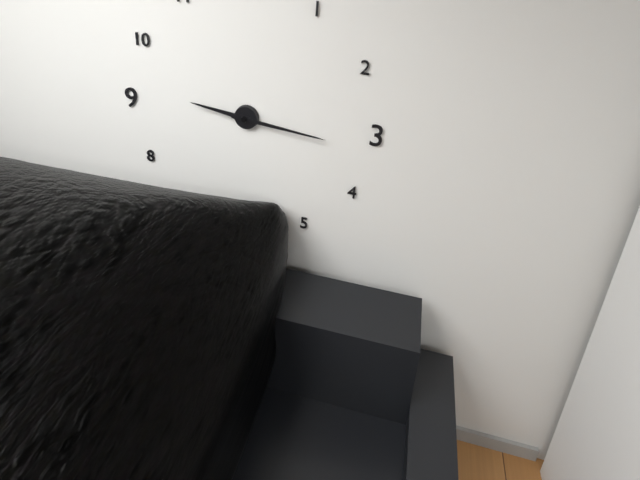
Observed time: 9h16
